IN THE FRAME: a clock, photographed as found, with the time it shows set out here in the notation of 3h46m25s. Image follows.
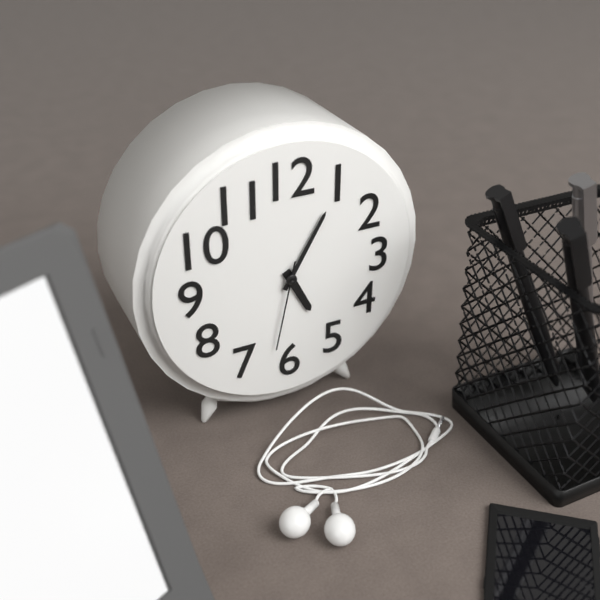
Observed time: 5h05m32s
